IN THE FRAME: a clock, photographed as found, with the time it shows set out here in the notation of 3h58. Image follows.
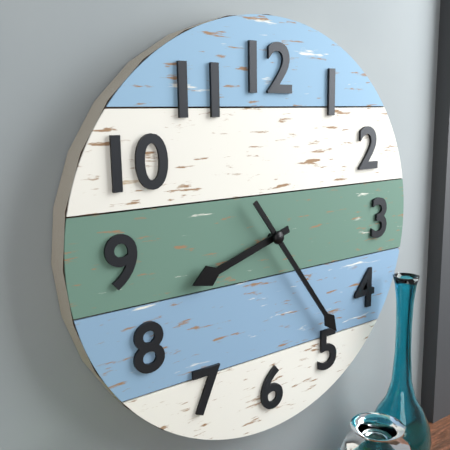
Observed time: 8h24
